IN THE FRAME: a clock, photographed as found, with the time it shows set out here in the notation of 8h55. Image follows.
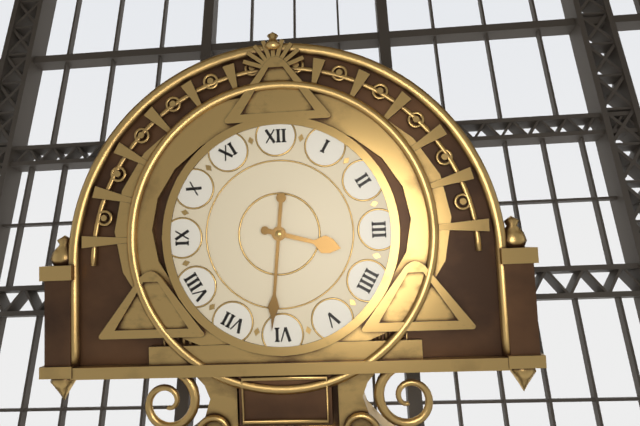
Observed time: 3h31
